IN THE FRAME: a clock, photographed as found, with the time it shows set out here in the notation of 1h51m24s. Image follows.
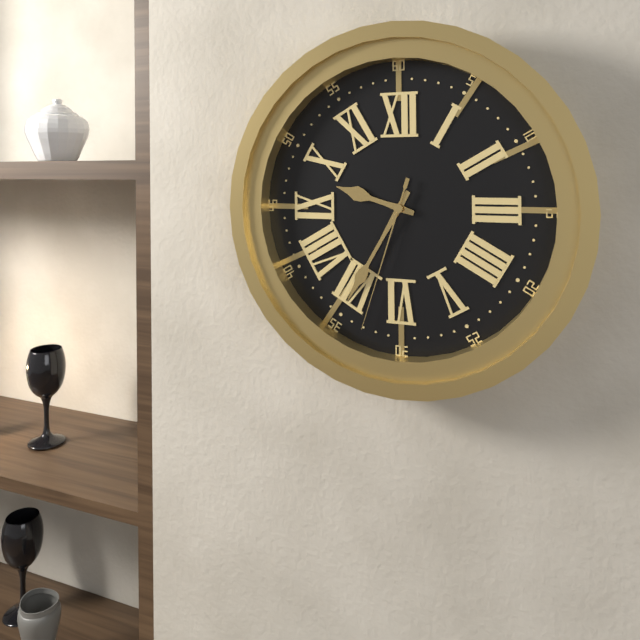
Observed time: 9h35m33s
